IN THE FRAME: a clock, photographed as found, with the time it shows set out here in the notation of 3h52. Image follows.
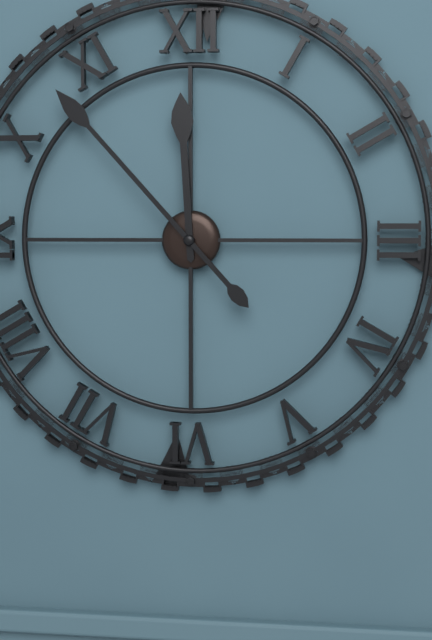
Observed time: 11h53
